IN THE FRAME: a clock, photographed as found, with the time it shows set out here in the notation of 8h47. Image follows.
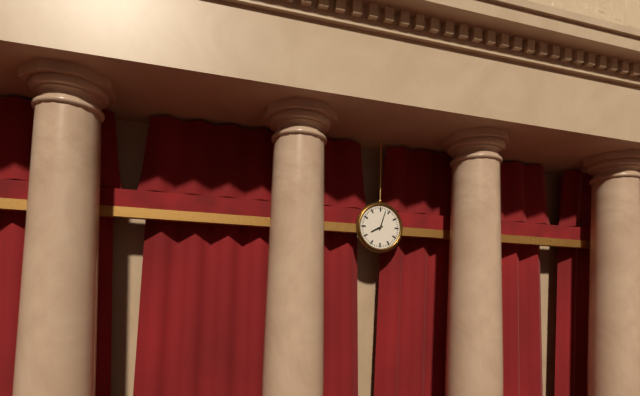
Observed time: 8h03
